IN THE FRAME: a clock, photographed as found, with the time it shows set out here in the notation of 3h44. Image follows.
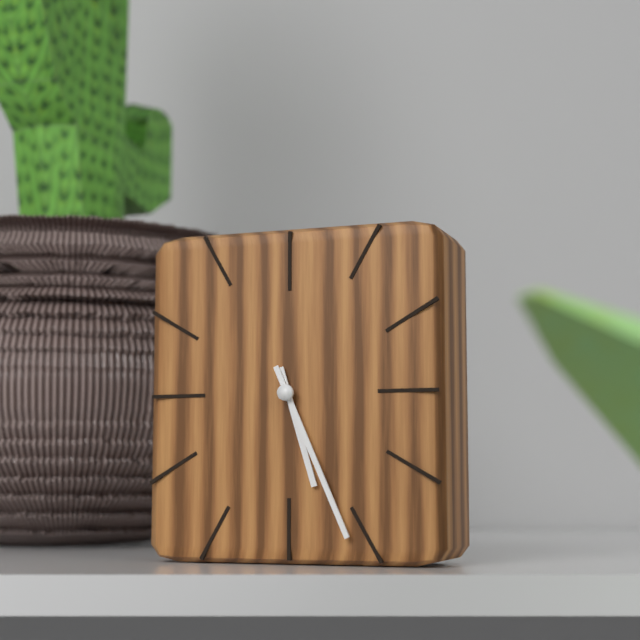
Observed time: 5h26
